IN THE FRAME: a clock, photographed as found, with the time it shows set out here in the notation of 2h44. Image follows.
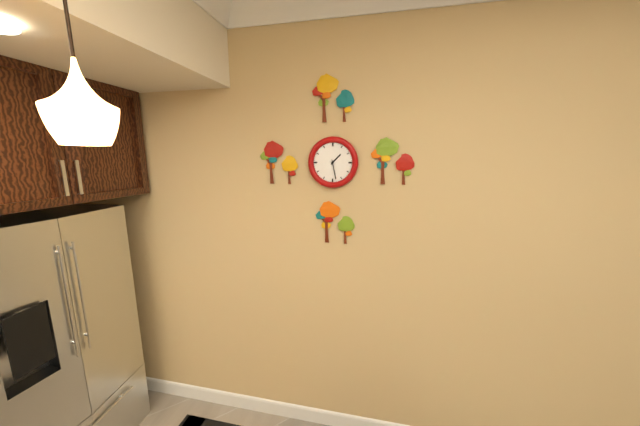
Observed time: 1h28
